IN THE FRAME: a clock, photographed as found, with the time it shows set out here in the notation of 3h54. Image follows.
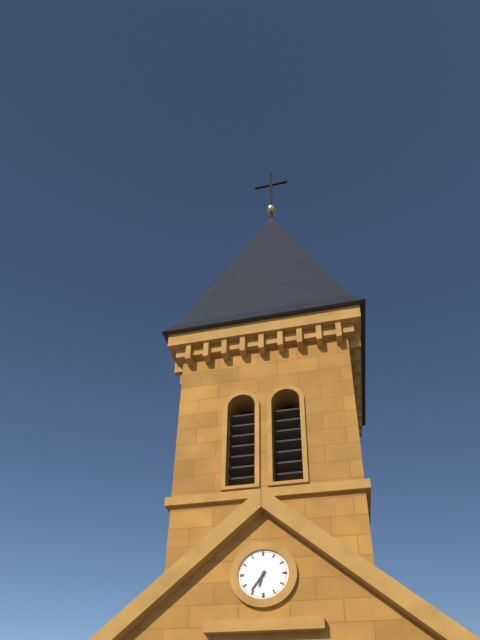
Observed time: 6h36
